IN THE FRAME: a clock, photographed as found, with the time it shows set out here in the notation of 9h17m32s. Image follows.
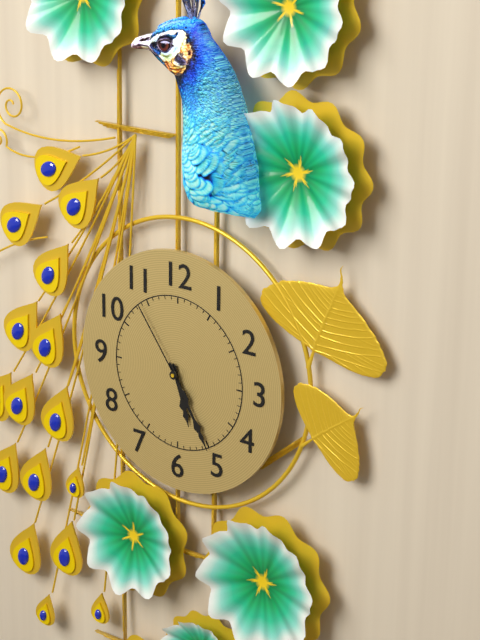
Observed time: 5h25m54s
